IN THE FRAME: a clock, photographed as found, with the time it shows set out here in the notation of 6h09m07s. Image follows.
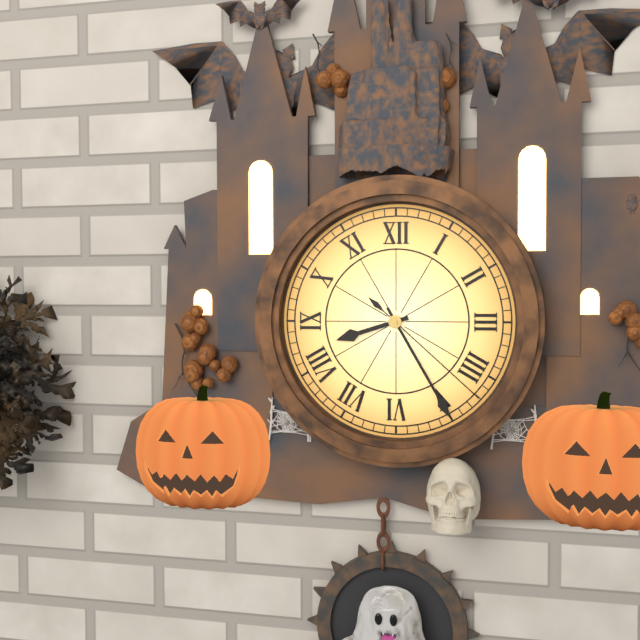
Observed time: 8h25m22s
